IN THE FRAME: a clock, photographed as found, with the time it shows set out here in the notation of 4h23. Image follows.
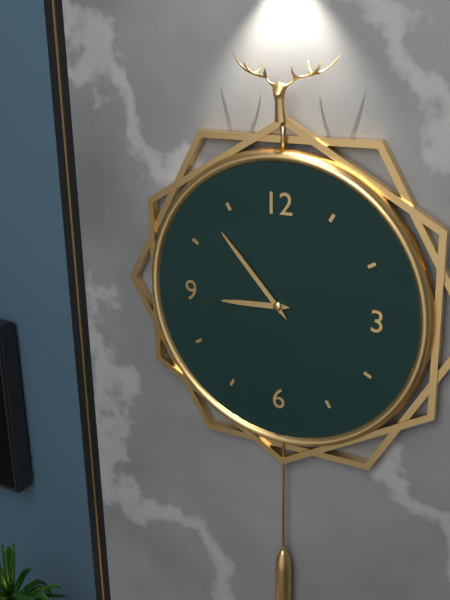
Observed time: 8h53
